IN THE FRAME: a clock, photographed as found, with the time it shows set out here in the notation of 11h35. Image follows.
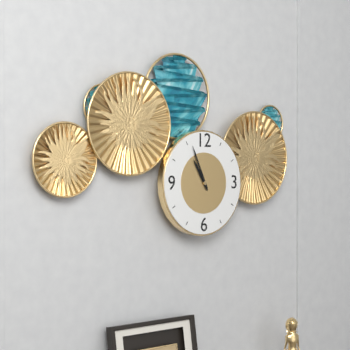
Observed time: 10h56
